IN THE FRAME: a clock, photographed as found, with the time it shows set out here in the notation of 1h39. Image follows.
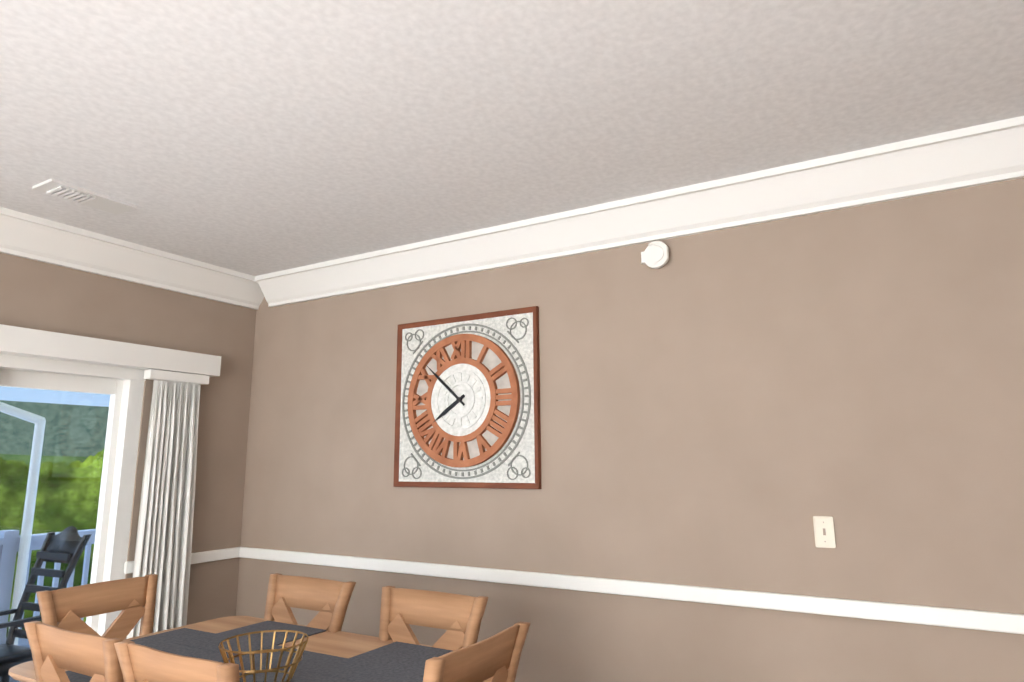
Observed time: 7h52
